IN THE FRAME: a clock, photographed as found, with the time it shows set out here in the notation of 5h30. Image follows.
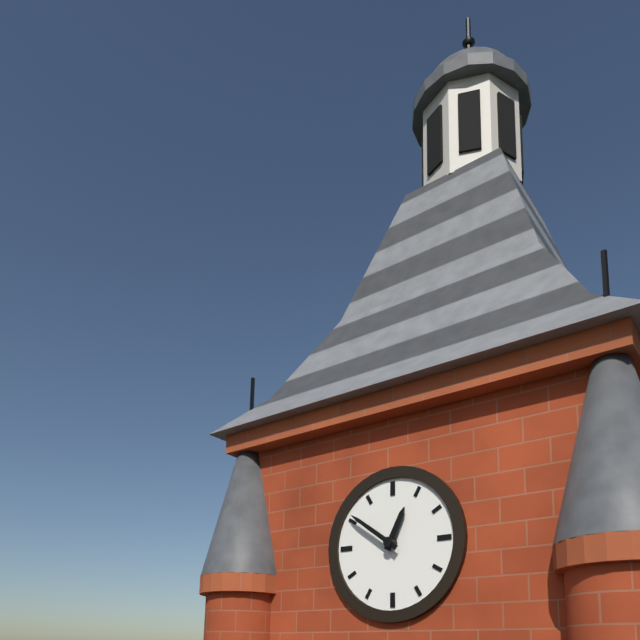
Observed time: 12h51
